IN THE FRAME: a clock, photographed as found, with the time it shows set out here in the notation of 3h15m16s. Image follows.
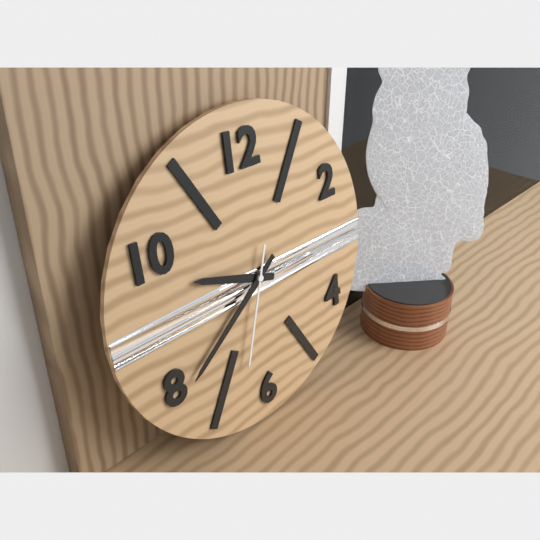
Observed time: 9h39m33s
